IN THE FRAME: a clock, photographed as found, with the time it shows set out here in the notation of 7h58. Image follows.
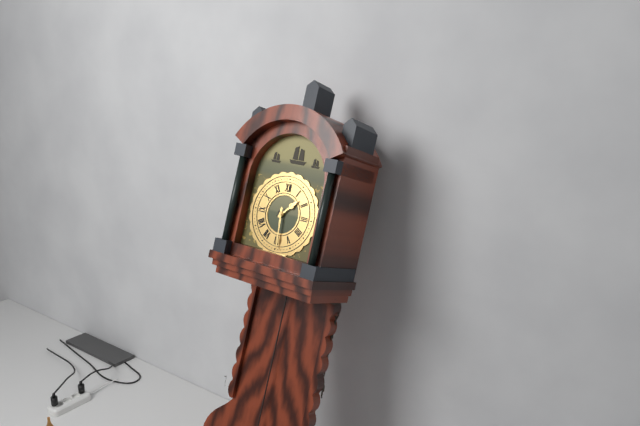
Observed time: 1h29
